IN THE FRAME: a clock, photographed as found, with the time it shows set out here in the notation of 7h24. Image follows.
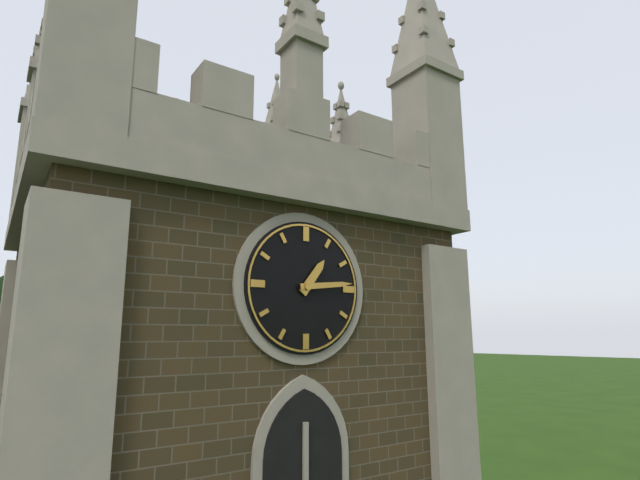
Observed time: 1h14
